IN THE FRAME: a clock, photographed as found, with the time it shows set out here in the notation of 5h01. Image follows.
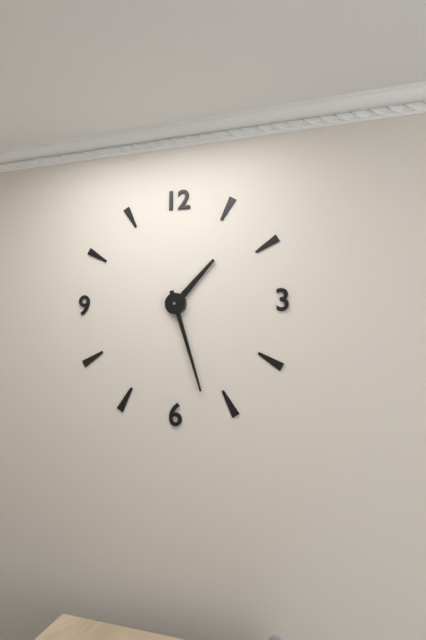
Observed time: 1h27
